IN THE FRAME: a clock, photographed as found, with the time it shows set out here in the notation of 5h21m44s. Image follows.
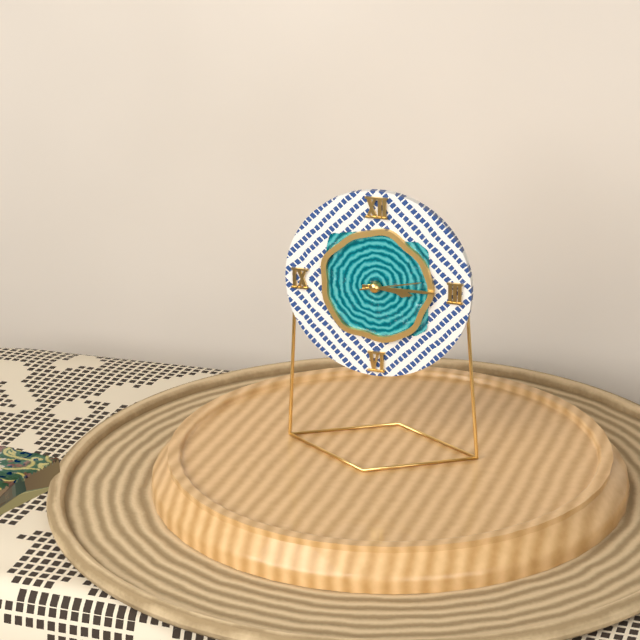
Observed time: 3h15m13s
